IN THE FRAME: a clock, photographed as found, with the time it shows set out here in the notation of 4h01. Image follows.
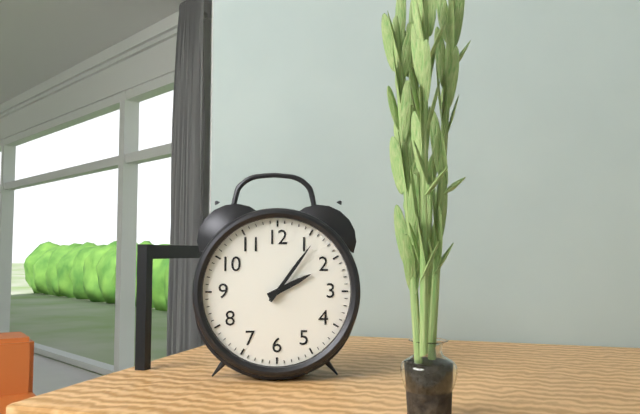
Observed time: 2h06
